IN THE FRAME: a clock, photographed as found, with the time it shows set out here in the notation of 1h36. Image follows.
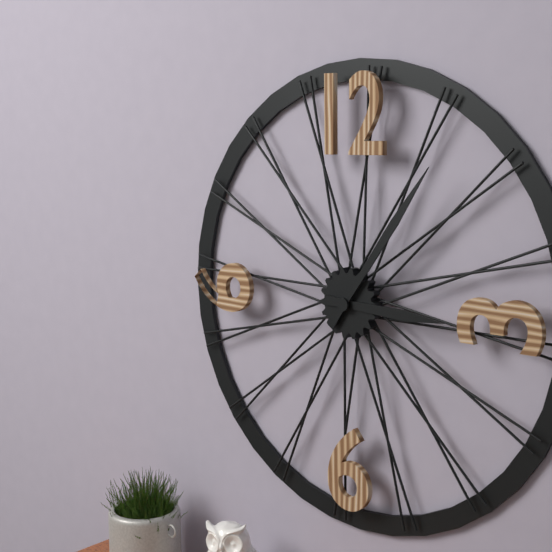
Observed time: 3h06
